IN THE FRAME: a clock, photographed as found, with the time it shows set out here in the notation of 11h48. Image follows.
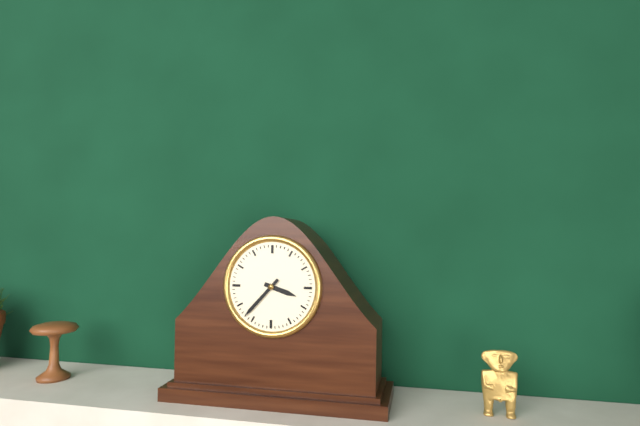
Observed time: 3h37
